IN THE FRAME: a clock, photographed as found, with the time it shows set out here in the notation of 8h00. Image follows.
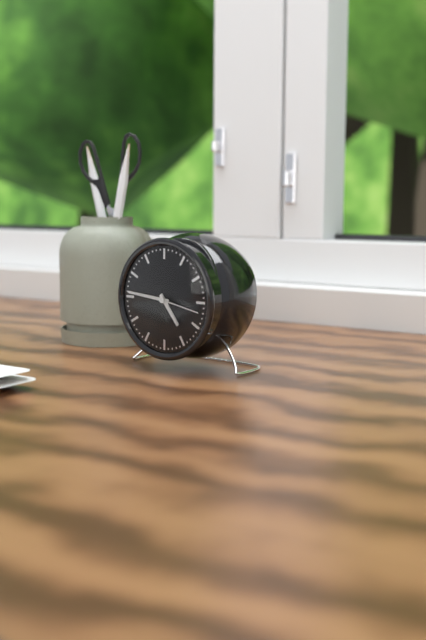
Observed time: 4h46
